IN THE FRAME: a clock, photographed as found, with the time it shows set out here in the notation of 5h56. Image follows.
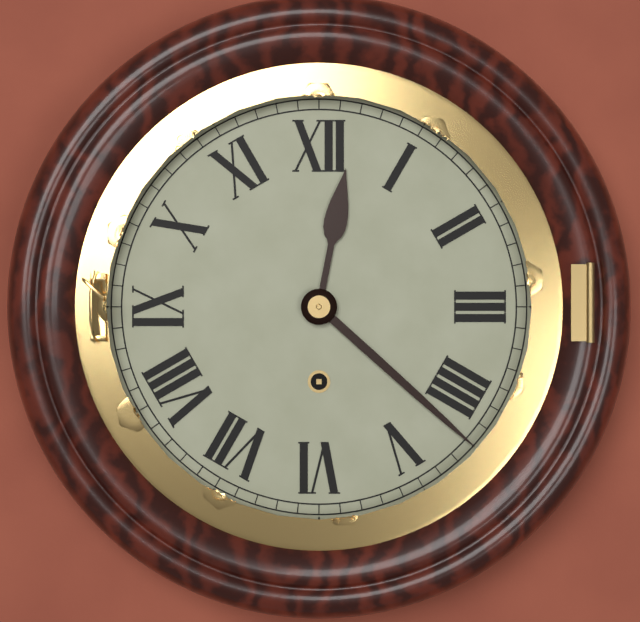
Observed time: 12h22
